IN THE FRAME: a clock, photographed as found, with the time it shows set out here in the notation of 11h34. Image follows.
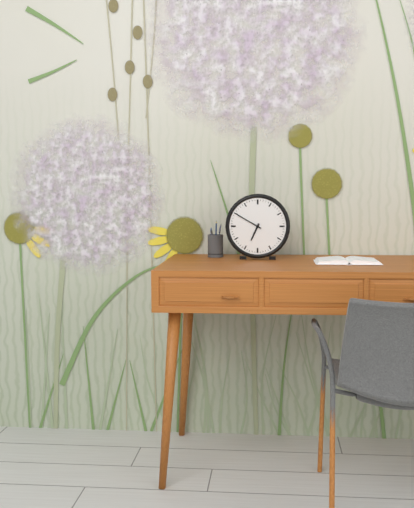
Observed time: 6h50
